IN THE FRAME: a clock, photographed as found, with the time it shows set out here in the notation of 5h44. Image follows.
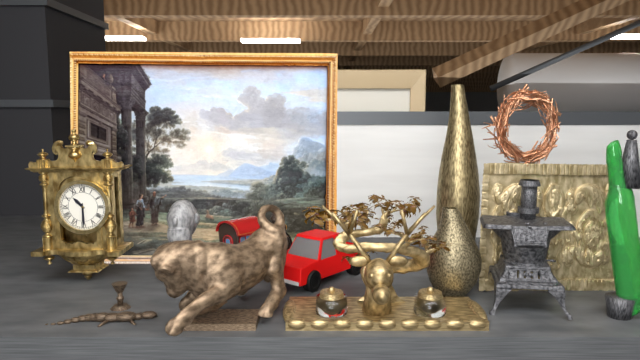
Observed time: 10h30
